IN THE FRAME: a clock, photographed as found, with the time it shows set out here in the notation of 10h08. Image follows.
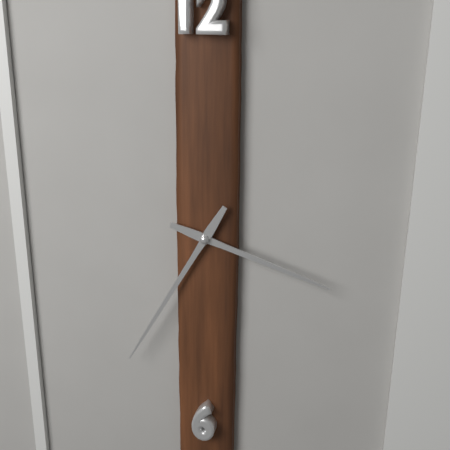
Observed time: 3h35
